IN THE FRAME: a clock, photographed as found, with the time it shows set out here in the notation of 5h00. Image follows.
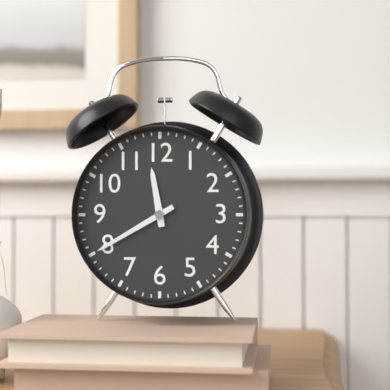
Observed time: 11h40
